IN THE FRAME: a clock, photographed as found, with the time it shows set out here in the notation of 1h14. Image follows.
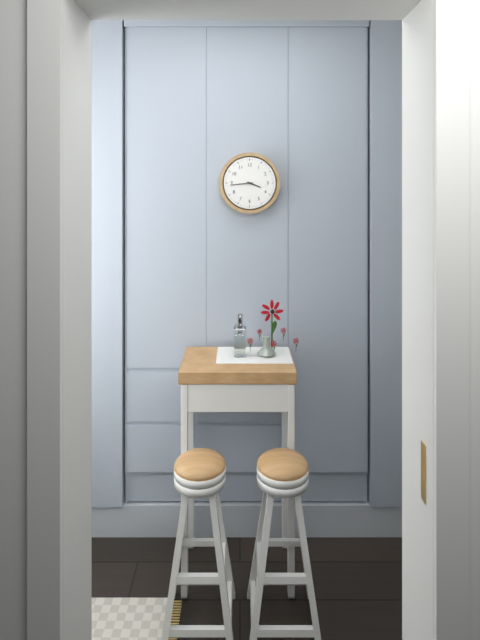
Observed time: 3h44
